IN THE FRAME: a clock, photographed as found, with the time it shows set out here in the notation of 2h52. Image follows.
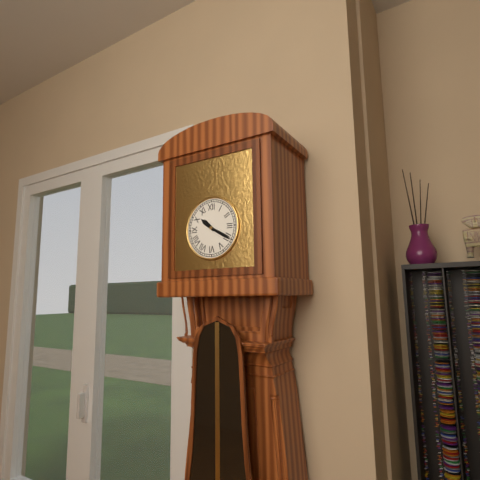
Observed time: 10h20
